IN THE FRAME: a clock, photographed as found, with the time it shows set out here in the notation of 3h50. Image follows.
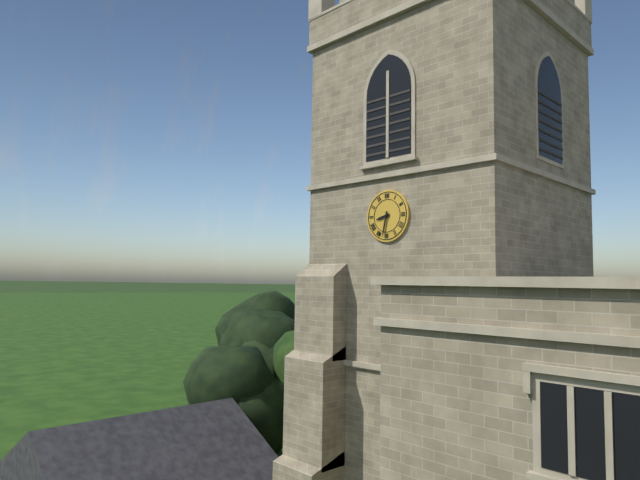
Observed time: 8h32
